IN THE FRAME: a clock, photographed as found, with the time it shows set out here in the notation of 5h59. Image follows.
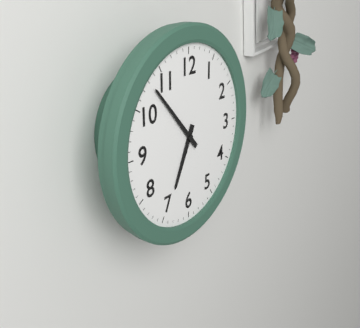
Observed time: 6h53
